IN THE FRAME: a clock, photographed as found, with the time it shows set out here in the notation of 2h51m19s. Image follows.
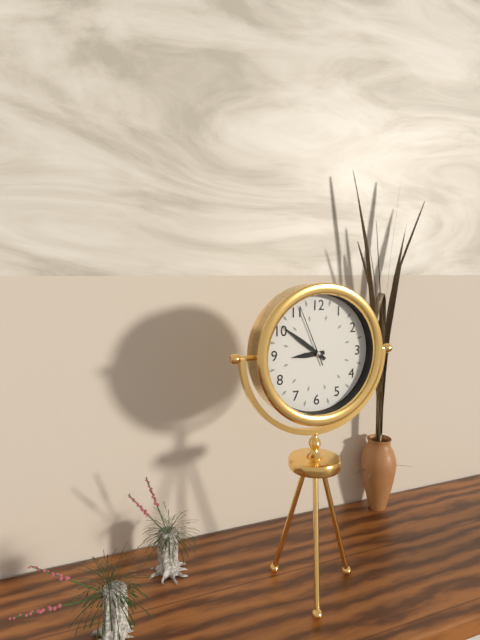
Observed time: 8h51m56s
